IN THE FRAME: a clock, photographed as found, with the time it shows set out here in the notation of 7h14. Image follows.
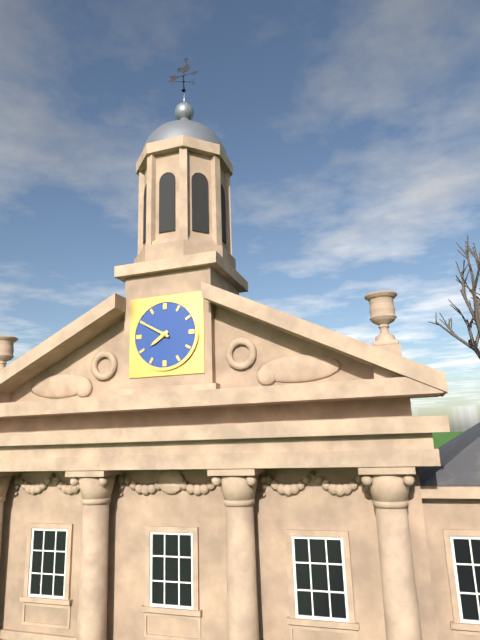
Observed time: 7h50
